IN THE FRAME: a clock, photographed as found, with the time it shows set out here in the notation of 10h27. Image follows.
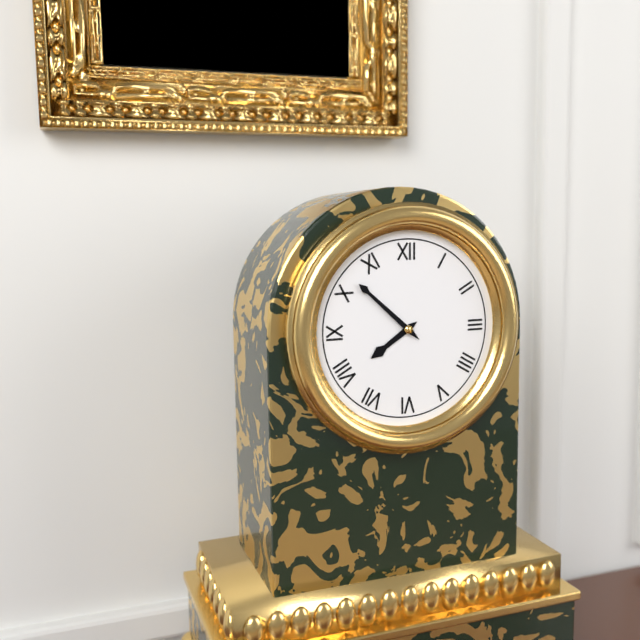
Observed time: 7h52
